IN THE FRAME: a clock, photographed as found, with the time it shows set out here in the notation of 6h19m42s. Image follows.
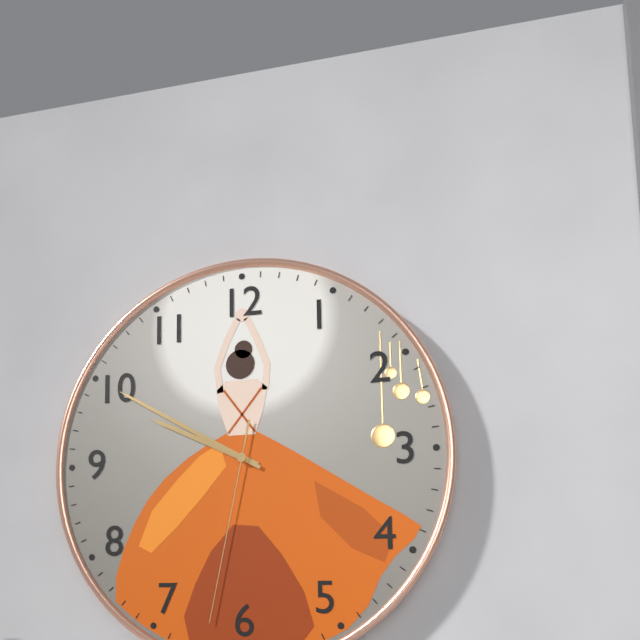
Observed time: 9h50m32s
